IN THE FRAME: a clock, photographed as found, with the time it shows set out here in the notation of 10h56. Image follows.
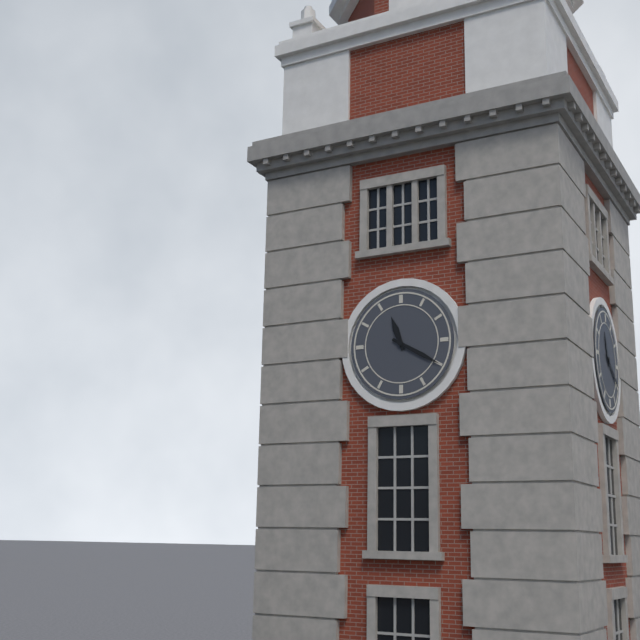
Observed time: 11h20
